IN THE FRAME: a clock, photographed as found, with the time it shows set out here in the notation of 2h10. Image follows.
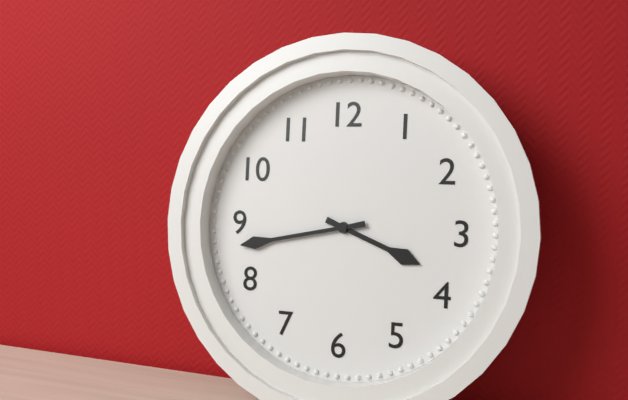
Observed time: 3h43
